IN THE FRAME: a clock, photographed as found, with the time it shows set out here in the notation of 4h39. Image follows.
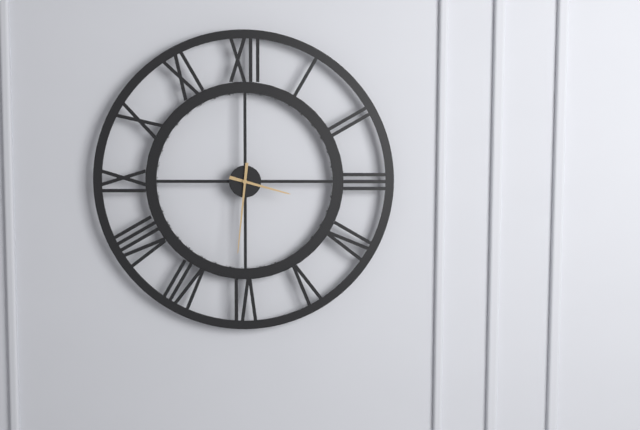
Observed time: 3h31
